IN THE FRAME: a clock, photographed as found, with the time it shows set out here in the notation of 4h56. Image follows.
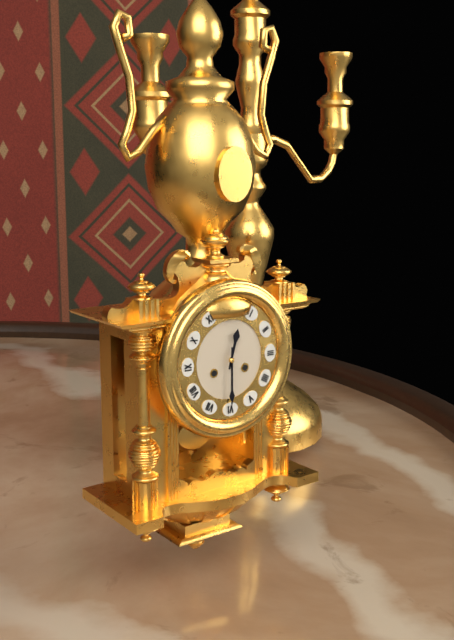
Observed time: 12h30
